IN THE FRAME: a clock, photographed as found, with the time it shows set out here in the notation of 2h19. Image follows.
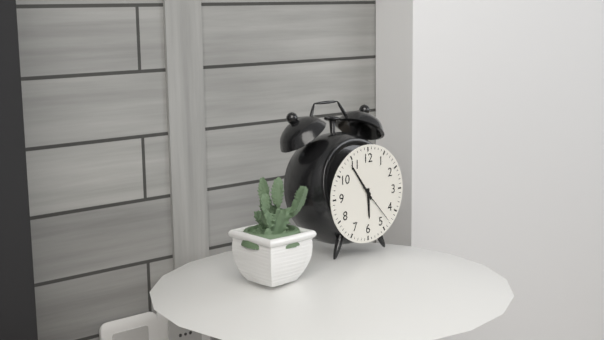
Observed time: 5h54
